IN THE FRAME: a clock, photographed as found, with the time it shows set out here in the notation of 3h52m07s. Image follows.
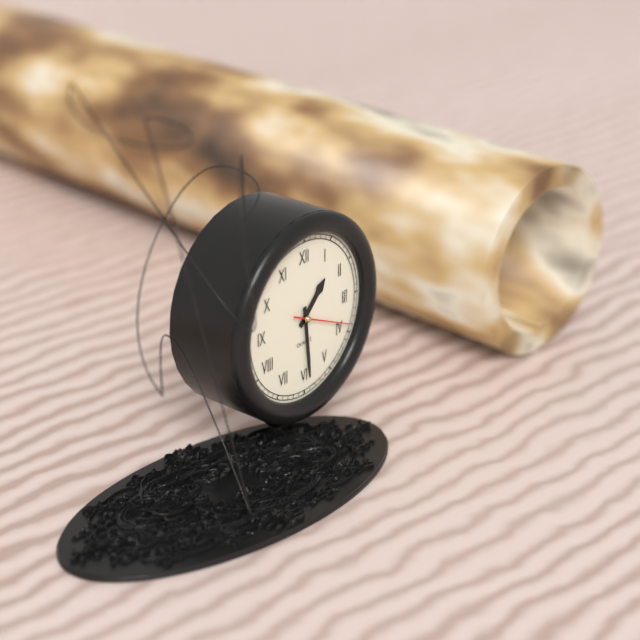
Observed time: 1h29m19s
